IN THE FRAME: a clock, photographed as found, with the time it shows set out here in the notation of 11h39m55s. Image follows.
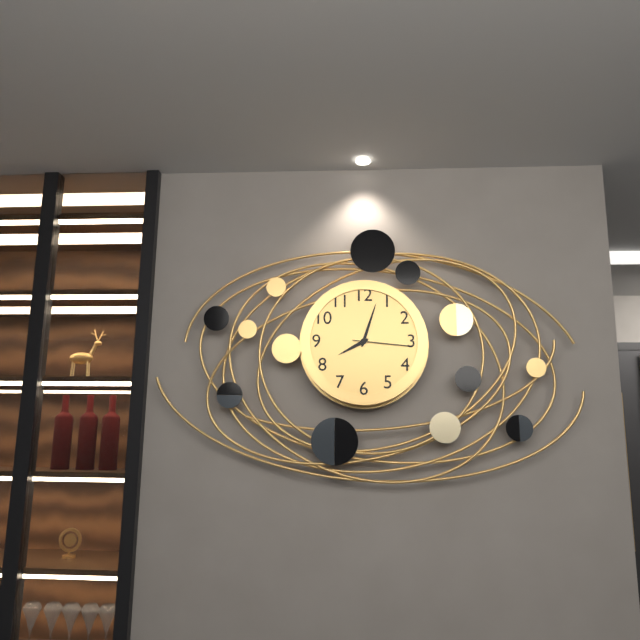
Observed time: 8h03m16s
